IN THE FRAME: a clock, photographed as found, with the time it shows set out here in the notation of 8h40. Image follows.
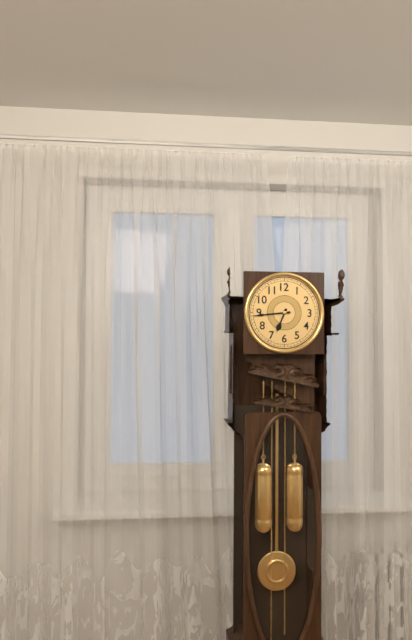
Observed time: 6h44
